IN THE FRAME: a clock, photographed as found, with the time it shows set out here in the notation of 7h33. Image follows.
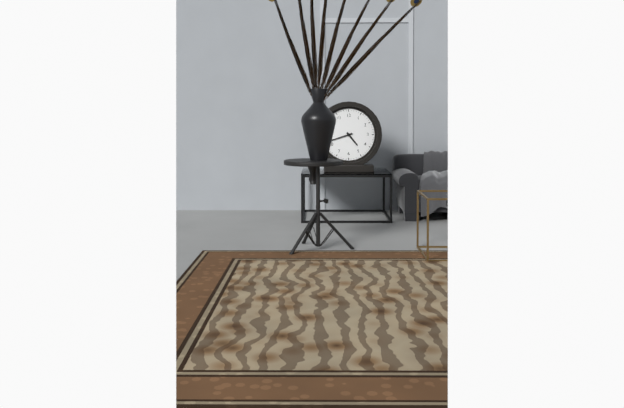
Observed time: 4h42
